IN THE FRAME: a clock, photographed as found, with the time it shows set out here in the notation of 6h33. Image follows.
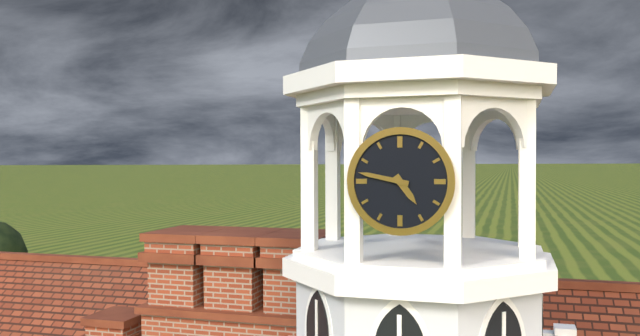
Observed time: 4h47
